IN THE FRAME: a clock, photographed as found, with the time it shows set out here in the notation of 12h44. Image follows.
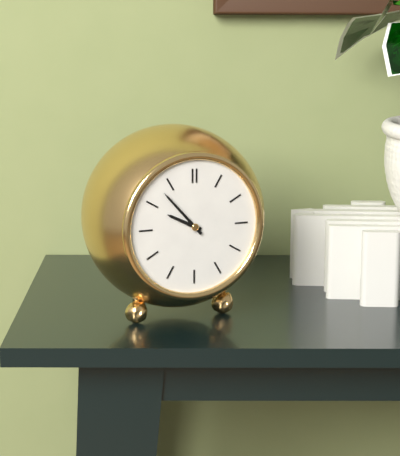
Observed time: 9h53
